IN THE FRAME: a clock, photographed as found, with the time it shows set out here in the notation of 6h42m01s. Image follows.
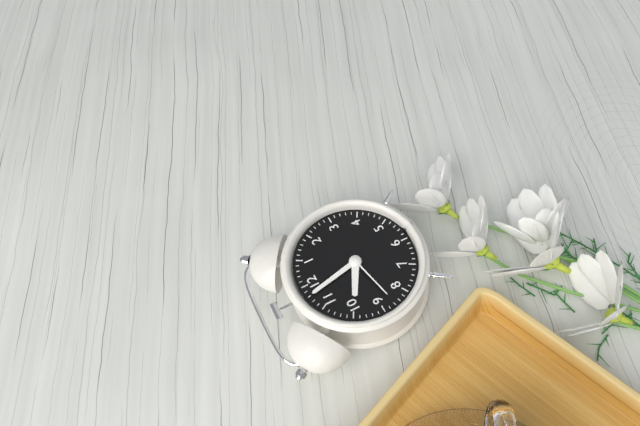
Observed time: 9h58m43s
